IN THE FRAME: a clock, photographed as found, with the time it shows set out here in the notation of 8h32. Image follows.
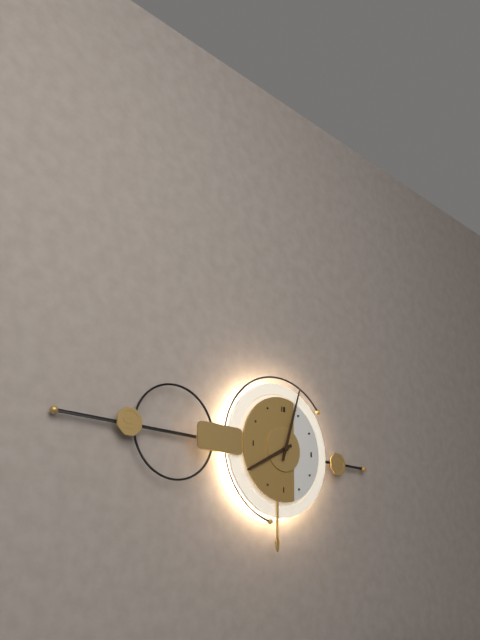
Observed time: 8h03
